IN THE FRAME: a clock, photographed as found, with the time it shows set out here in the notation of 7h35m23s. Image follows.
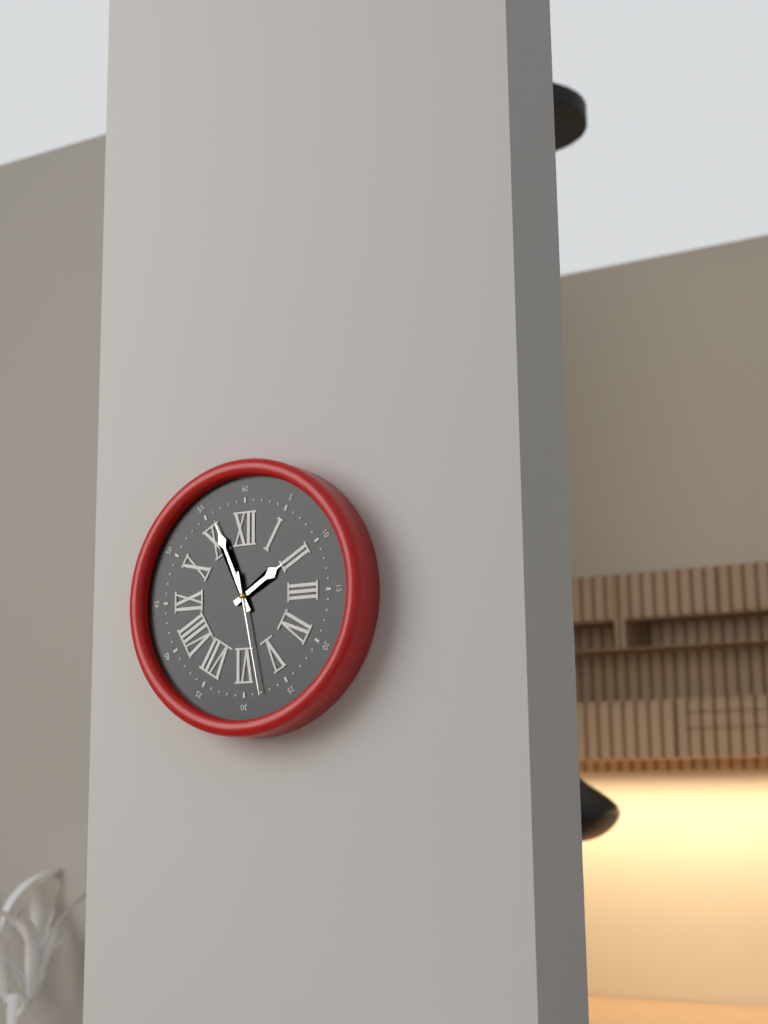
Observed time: 1h56m28s
